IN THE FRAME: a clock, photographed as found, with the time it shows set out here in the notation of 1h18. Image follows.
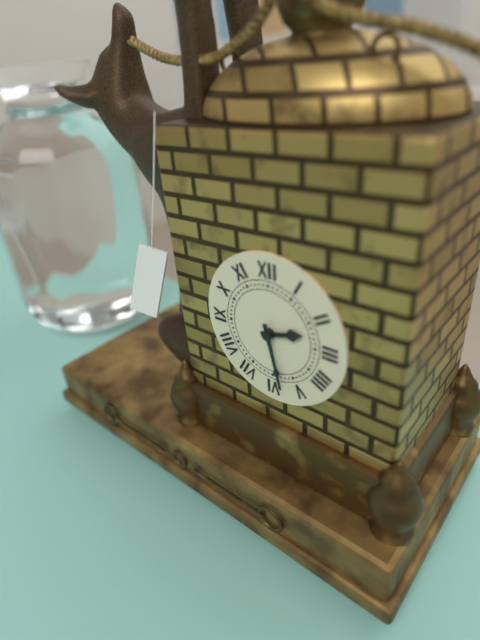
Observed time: 2h28
